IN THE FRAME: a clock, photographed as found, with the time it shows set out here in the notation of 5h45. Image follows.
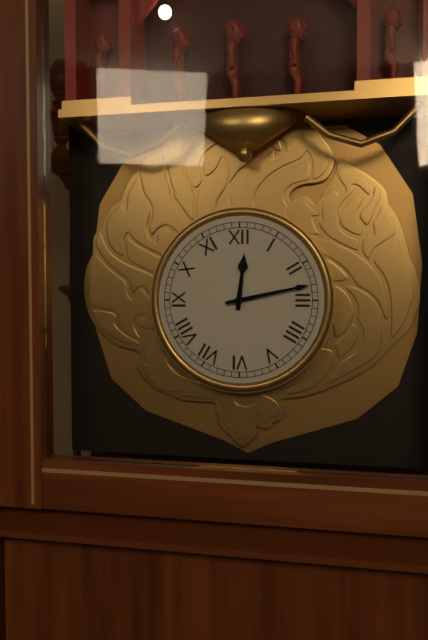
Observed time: 12h13
